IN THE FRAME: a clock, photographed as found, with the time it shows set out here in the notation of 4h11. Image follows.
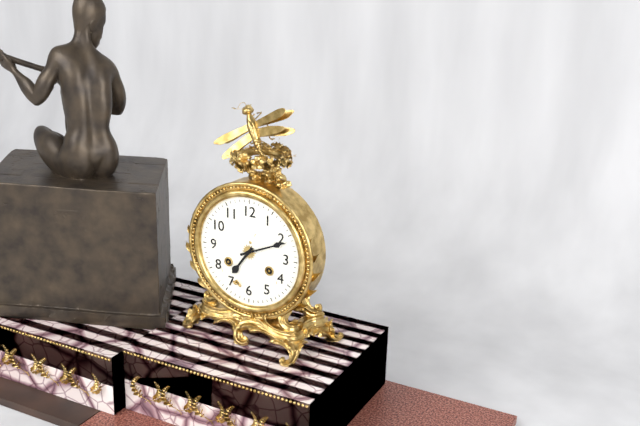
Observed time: 7h11
